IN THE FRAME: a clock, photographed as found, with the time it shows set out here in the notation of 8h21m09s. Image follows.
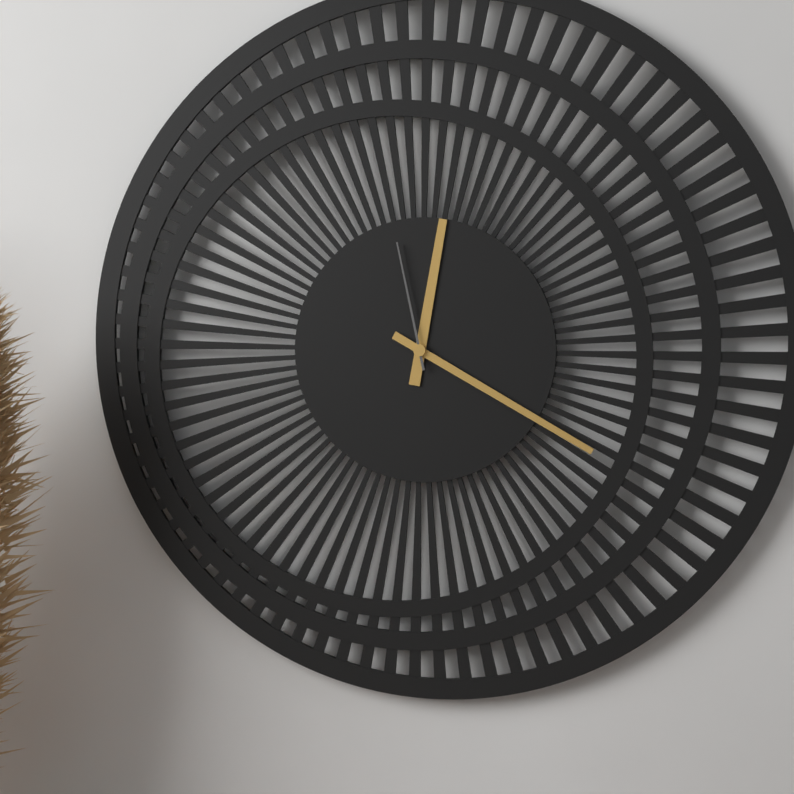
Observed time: 12h20m58s
